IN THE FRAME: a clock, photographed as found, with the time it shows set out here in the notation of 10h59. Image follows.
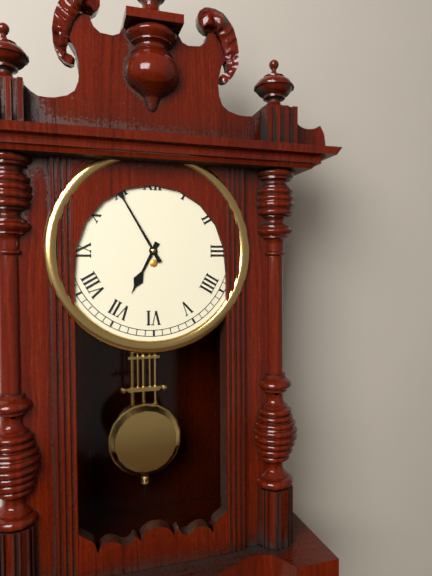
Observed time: 6h55
